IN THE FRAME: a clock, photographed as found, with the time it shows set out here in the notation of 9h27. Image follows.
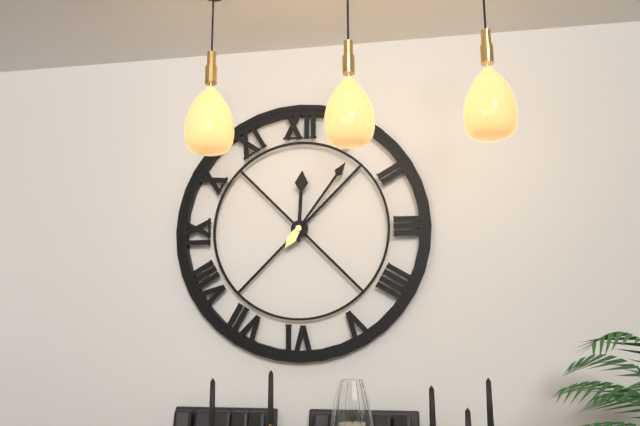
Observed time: 12h06
